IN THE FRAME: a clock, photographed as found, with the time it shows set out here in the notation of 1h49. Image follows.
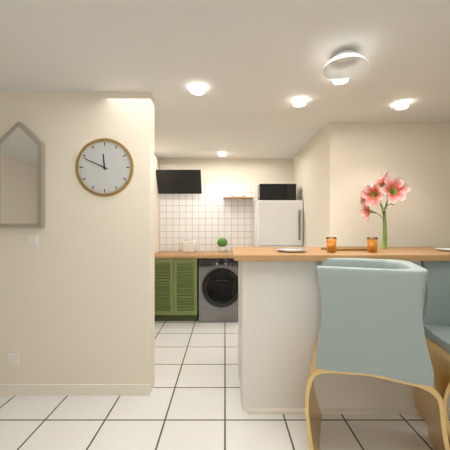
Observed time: 11h49
